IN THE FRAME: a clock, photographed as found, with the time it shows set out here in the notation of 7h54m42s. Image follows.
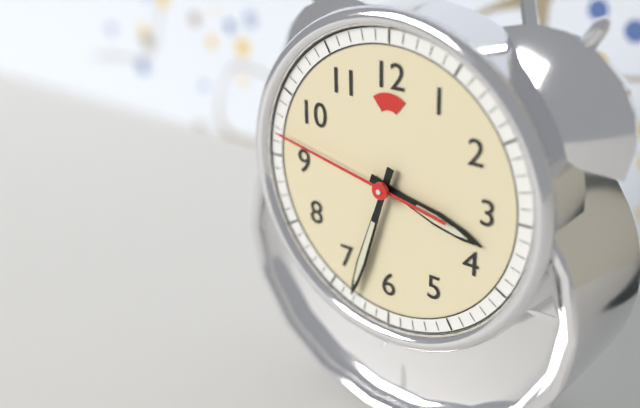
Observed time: 3h33m47s
